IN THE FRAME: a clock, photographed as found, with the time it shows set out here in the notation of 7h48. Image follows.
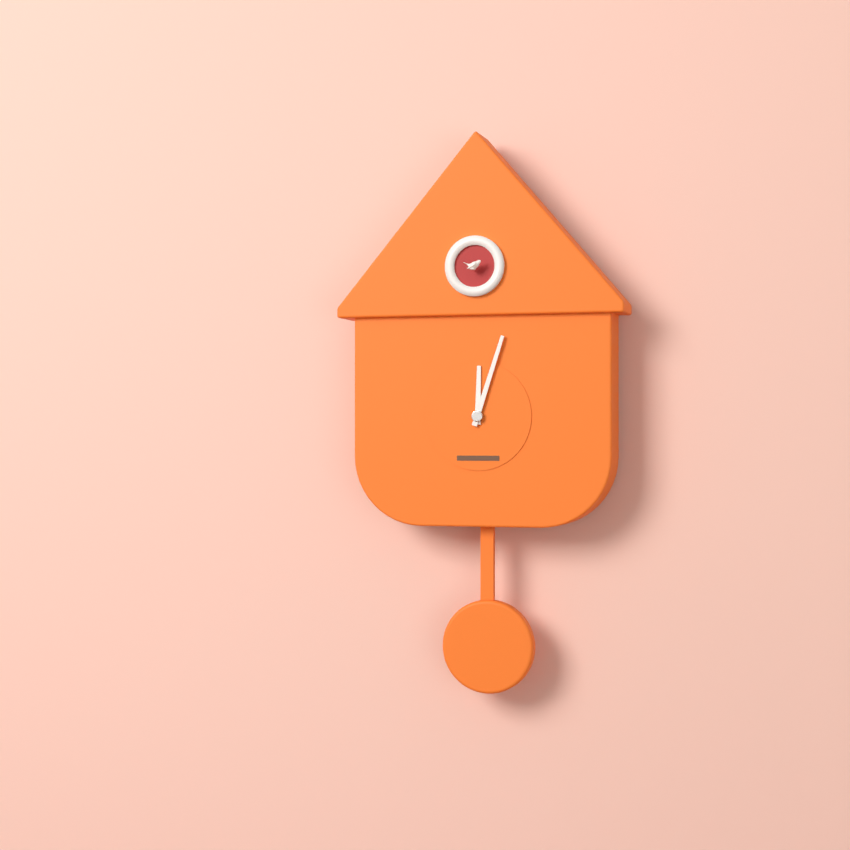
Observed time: 12h03
